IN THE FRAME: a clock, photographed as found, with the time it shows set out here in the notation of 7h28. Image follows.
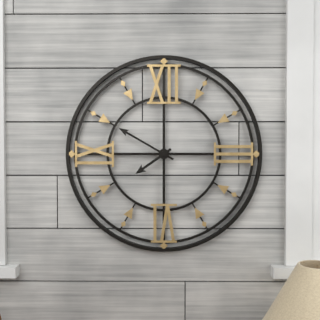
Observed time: 7h50
